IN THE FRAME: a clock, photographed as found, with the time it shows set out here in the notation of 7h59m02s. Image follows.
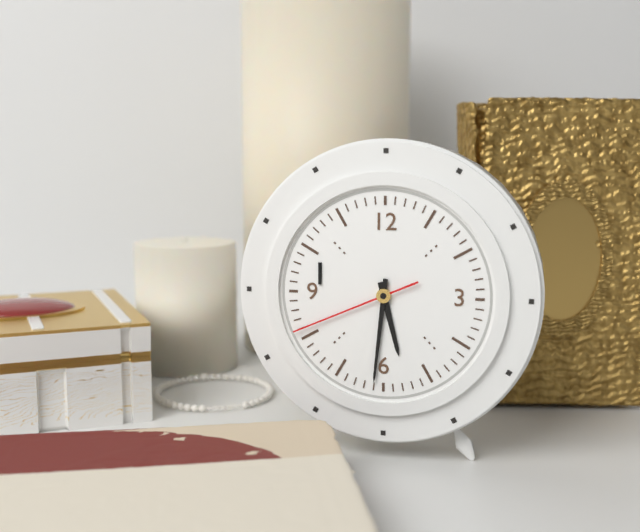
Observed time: 5h31m41s
